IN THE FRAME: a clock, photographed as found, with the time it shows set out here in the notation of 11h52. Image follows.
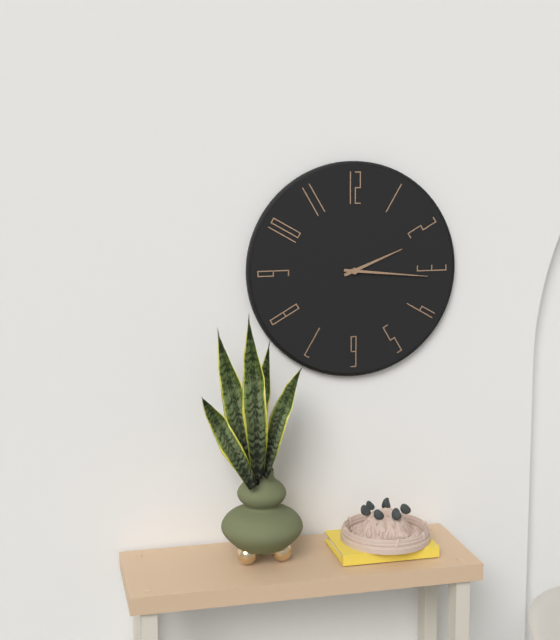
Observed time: 2h16
